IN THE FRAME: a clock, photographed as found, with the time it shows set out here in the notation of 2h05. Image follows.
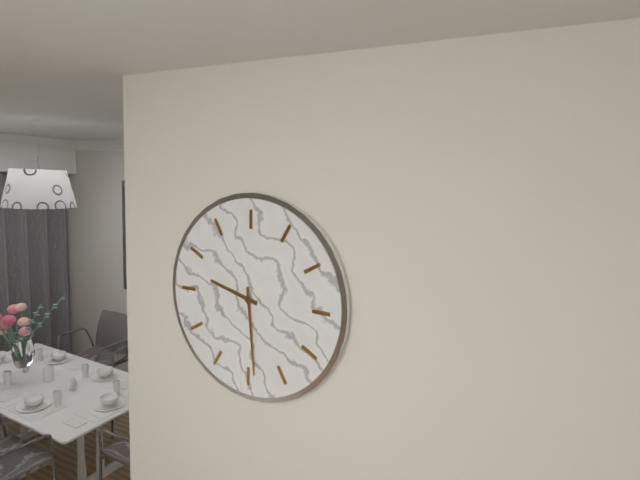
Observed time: 9h29
